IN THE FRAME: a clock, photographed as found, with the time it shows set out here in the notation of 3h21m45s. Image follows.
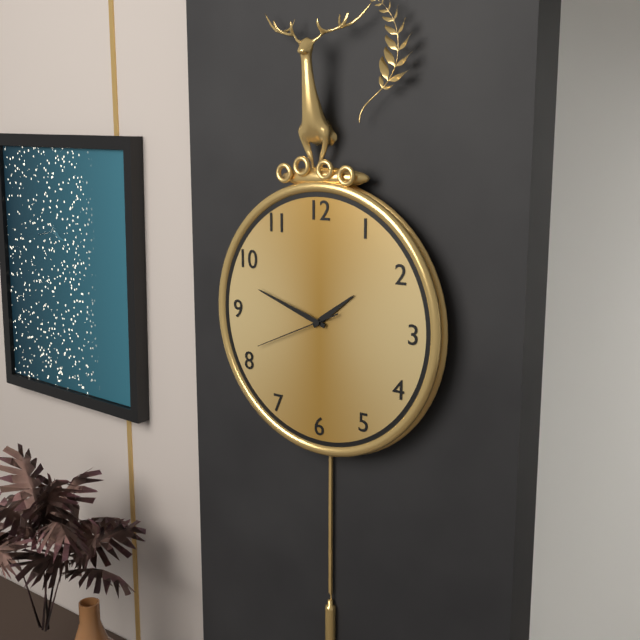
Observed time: 1h48m41s
